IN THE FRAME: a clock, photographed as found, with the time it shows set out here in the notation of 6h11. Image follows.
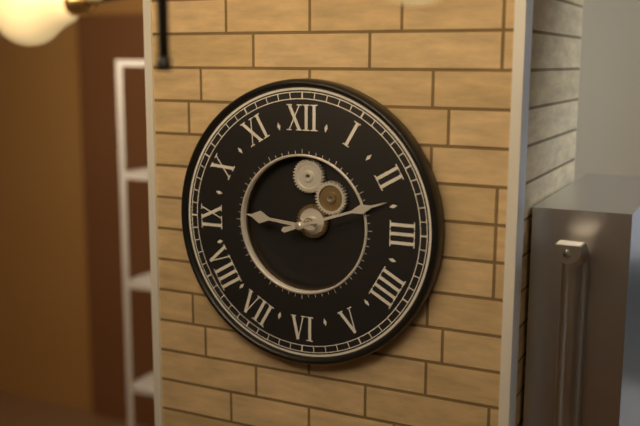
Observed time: 9h12
